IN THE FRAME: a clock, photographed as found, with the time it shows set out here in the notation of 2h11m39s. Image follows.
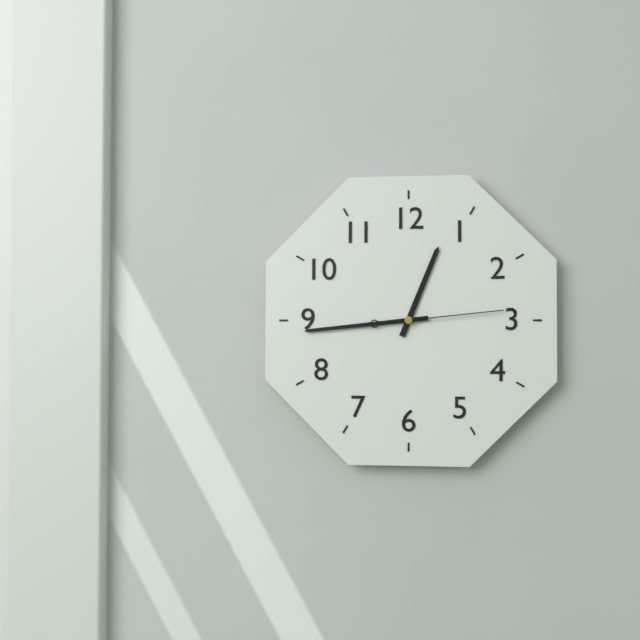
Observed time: 12h44m14s
